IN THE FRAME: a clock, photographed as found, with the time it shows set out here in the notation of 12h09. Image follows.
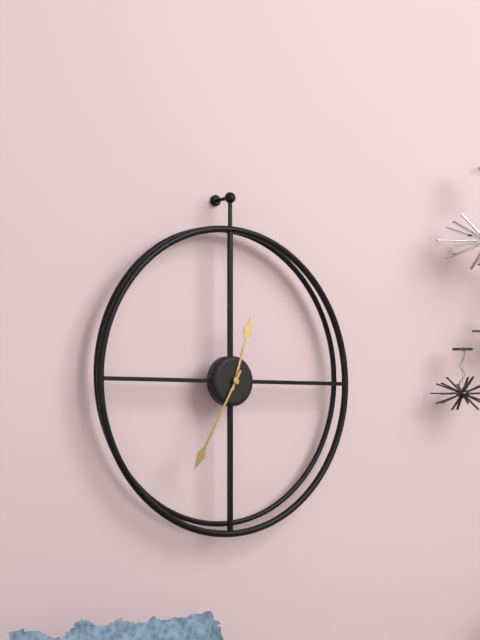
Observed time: 12h35
